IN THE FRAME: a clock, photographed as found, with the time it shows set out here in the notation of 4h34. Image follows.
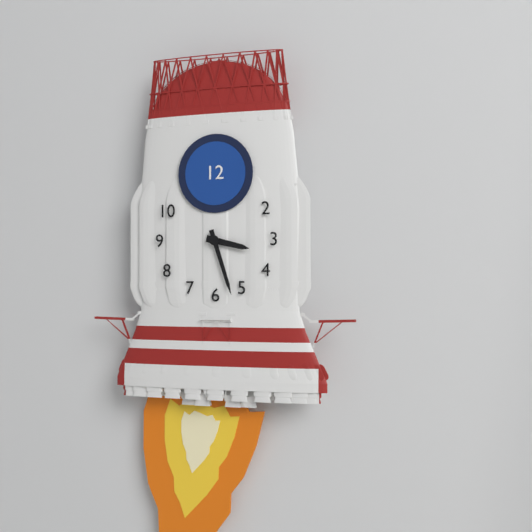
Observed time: 3h27
